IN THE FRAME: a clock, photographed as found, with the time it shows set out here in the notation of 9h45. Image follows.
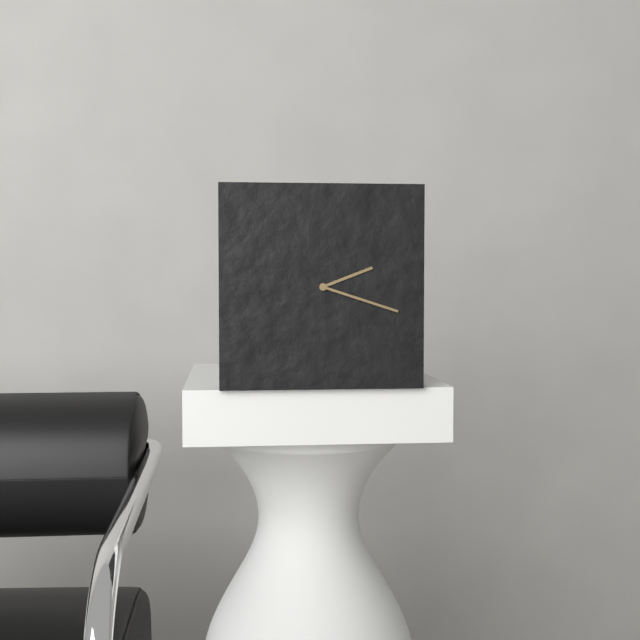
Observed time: 2h18
